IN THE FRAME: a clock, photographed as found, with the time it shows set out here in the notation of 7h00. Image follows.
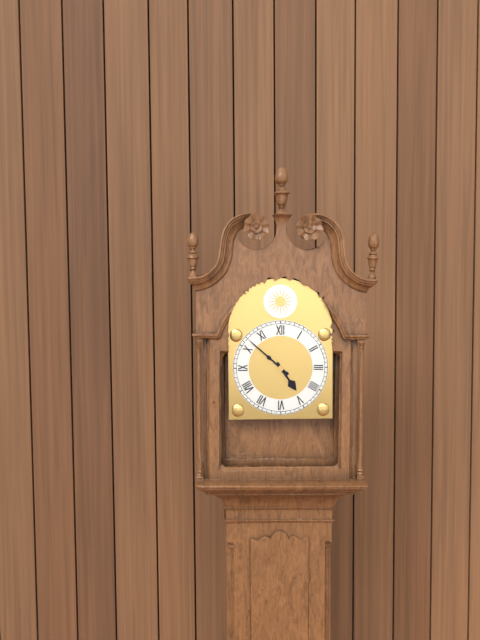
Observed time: 4h52
